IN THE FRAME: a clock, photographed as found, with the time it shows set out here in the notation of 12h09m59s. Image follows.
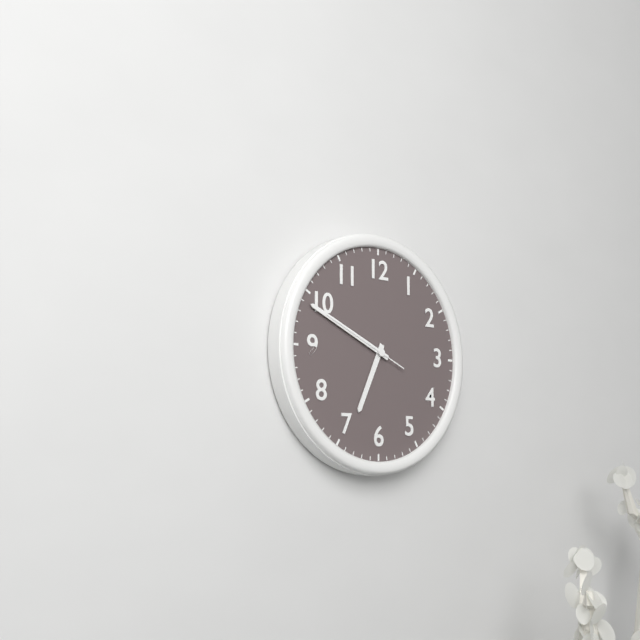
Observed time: 6h49m49s
